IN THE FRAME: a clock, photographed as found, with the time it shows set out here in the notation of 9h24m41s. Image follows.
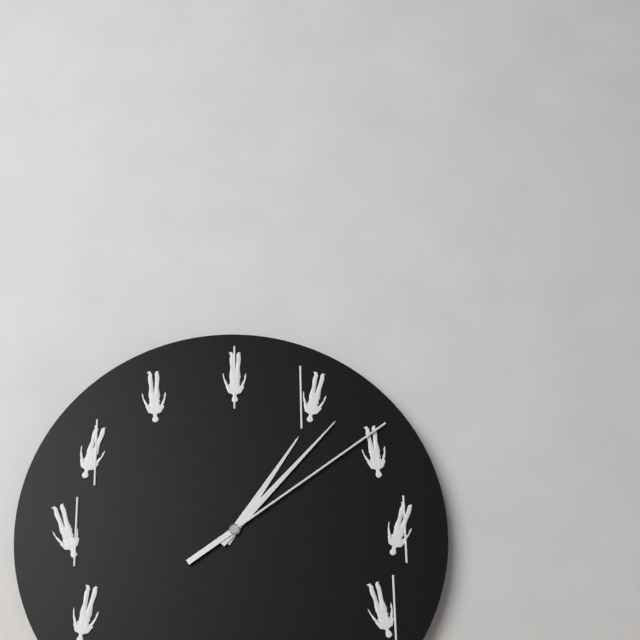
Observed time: 1h07m09s
